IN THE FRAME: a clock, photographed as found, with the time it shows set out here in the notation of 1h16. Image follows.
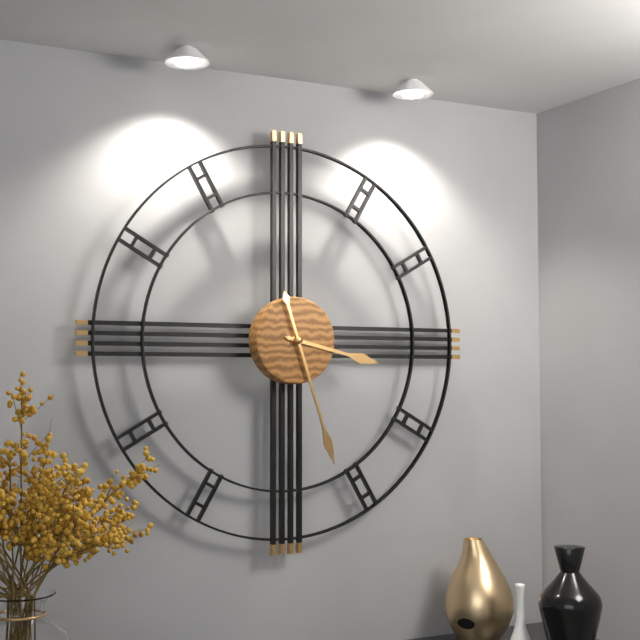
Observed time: 3h27
